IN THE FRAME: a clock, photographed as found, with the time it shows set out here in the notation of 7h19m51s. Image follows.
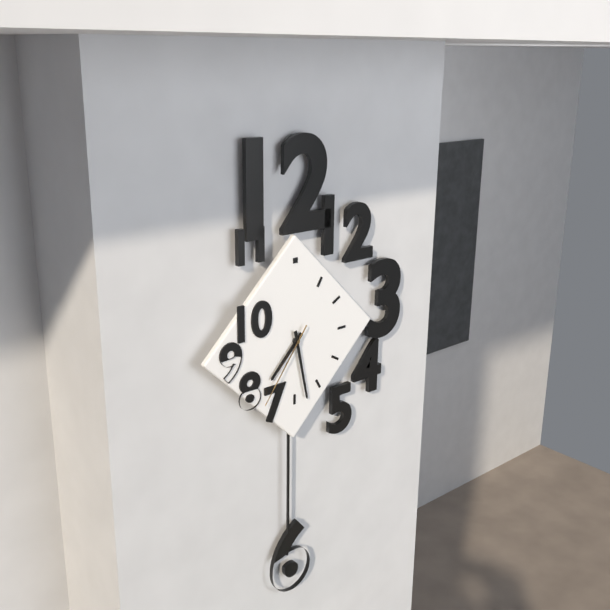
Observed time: 7h28m36s
